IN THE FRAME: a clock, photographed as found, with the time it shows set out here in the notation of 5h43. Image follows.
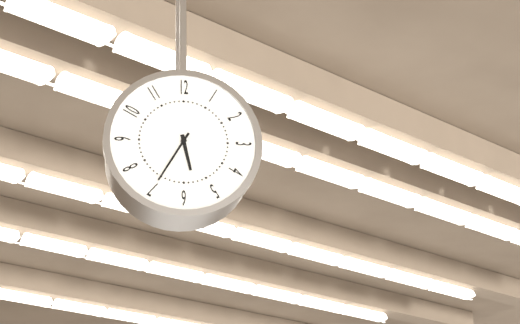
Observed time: 5h35
